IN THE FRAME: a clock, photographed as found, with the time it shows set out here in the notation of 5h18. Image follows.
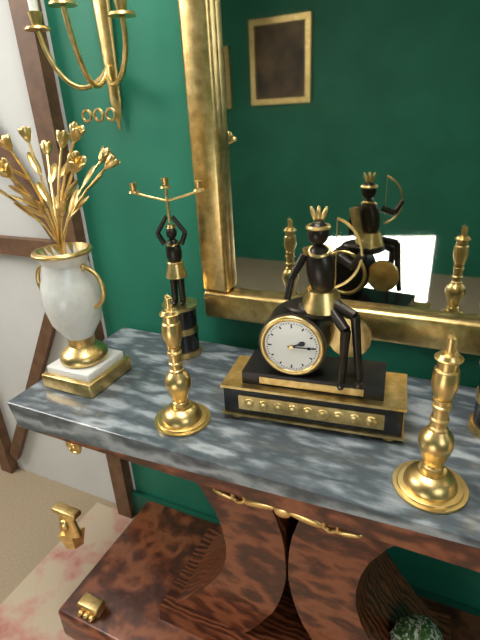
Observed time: 2h15
